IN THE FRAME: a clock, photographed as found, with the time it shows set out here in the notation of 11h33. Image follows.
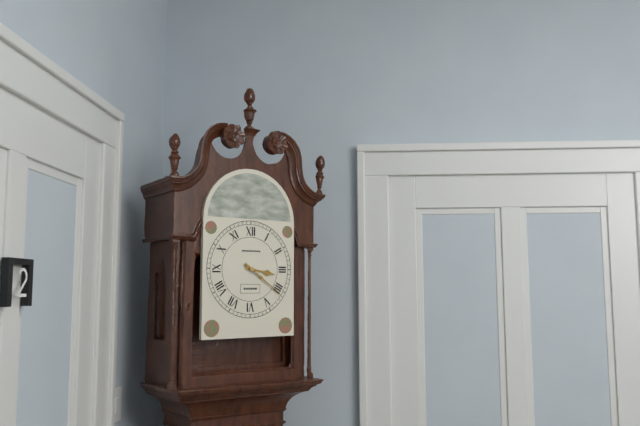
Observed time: 3h21
